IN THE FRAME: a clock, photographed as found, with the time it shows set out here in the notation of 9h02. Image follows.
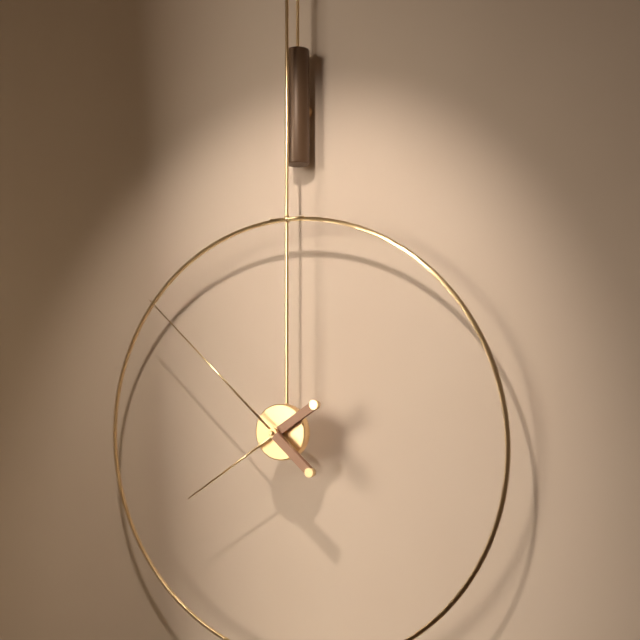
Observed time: 7h52
